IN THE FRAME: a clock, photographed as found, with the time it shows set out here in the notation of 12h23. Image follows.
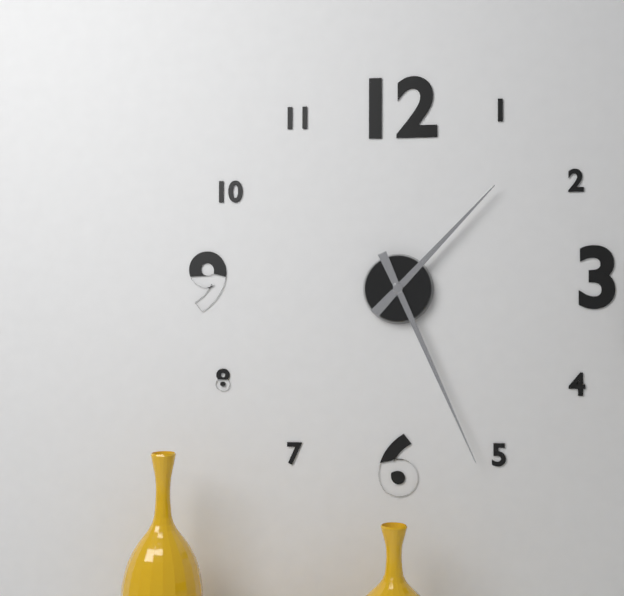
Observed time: 1h26
